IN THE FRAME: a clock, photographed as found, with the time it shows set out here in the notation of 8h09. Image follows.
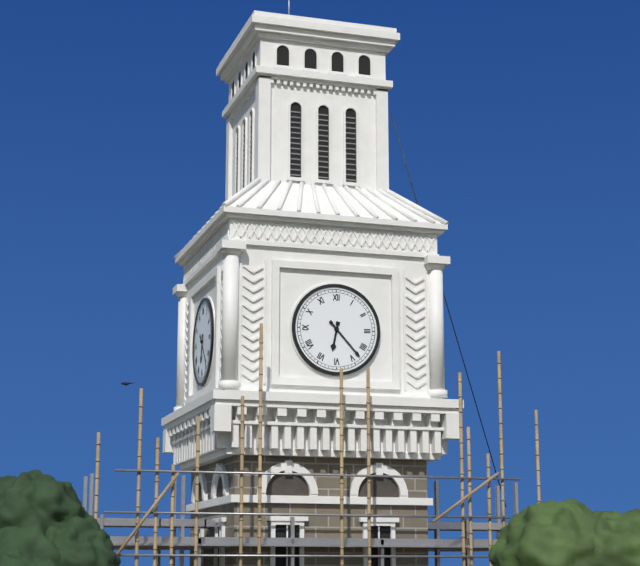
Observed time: 6h23
